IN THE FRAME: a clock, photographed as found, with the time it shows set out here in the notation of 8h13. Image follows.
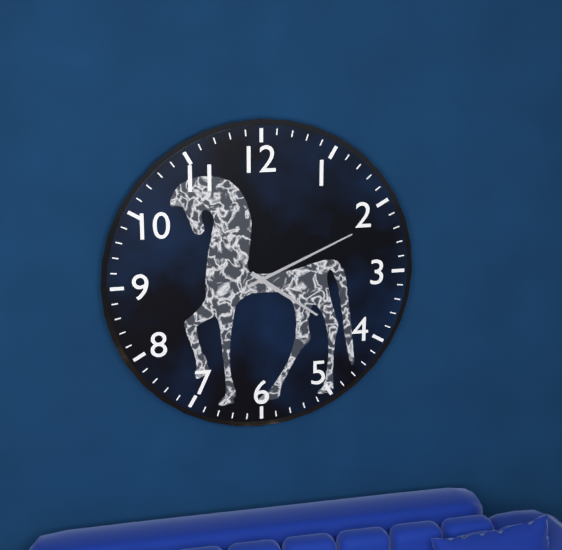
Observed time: 4h11
